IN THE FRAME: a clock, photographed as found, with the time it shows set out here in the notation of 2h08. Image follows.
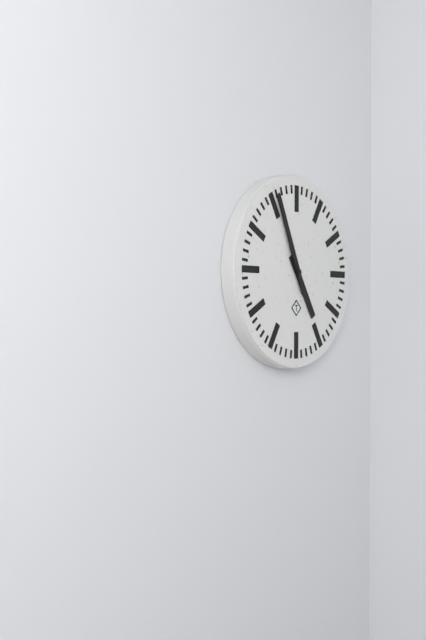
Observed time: 4h56
